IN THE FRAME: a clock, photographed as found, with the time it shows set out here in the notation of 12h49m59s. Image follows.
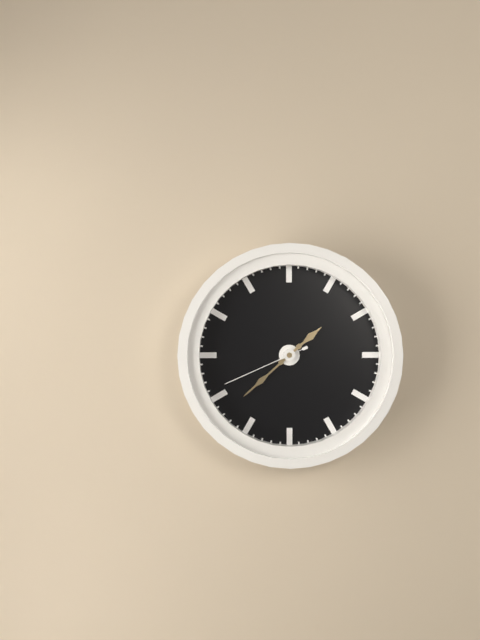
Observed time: 1h38m41s
